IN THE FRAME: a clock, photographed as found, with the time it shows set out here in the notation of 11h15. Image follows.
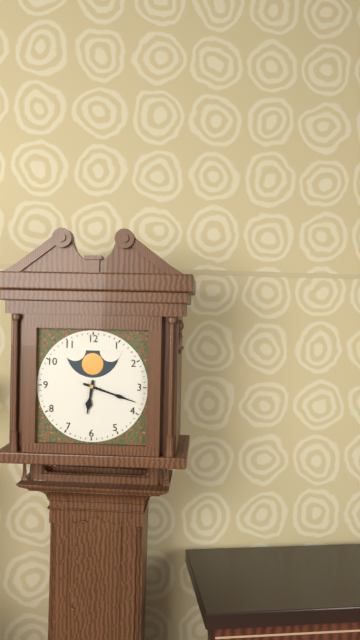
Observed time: 6h18
